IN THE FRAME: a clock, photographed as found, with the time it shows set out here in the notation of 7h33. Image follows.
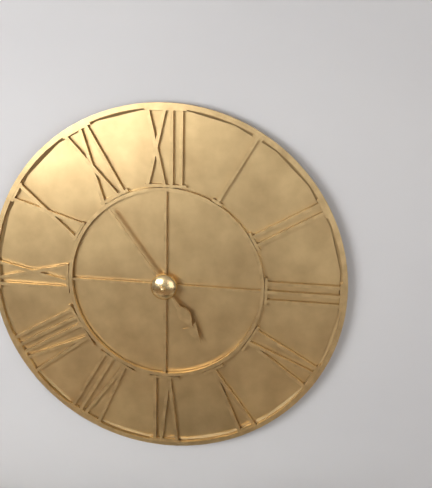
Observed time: 4h54
